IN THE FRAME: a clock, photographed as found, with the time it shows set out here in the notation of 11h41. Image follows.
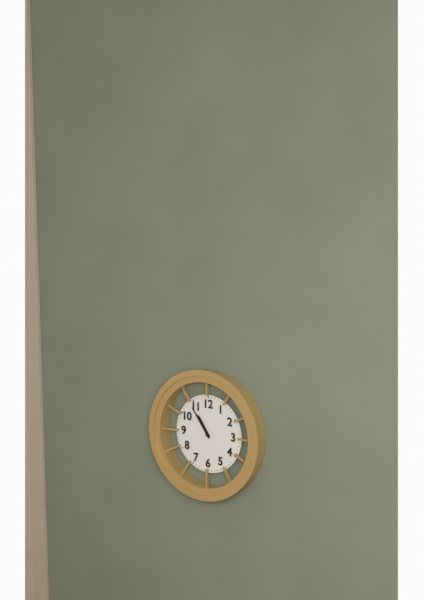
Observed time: 10h54
